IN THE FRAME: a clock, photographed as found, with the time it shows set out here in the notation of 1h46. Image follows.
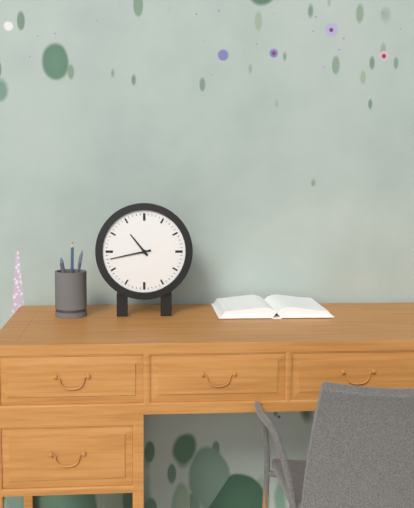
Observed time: 10h43
